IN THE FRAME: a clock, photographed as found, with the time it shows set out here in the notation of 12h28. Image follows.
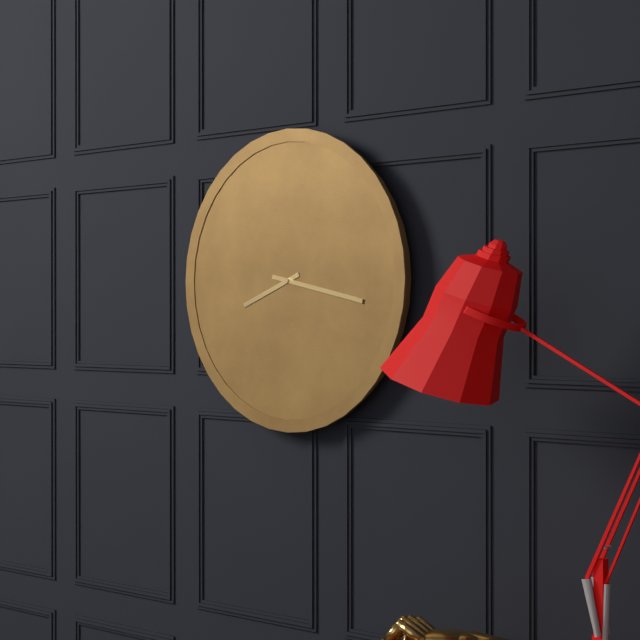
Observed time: 8h17
